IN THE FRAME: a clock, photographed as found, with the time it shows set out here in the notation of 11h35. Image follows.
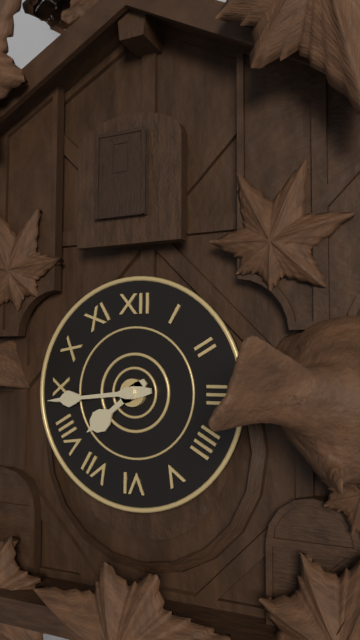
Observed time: 7h44
